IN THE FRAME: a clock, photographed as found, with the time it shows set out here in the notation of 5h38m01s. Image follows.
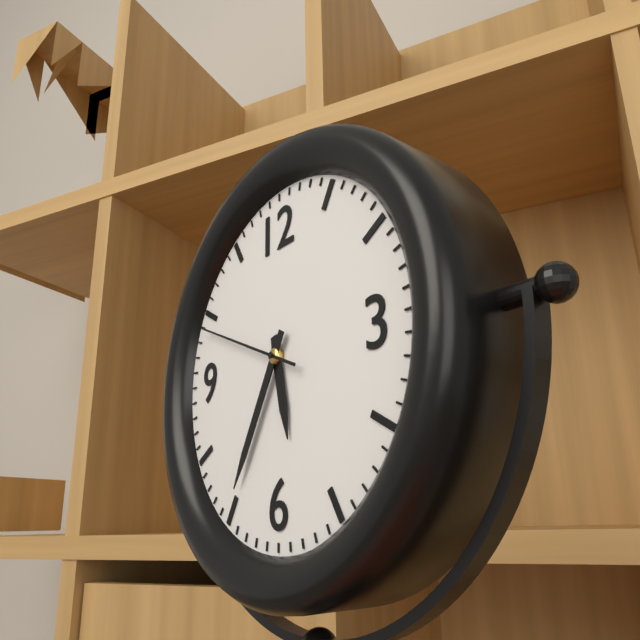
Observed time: 5h35m49s
